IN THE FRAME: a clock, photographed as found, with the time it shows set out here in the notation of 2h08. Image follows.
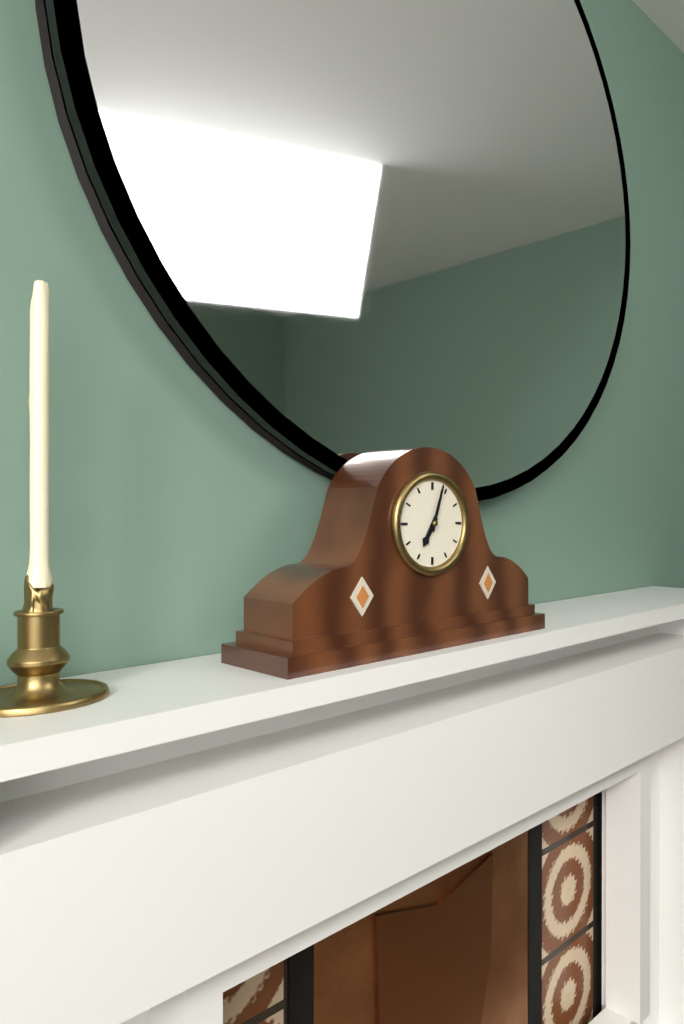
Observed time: 7h03
